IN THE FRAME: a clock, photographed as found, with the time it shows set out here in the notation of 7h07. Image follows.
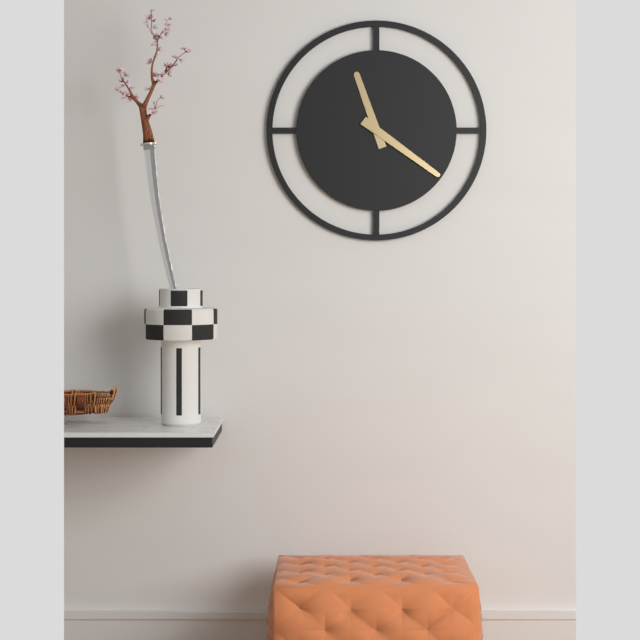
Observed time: 11h21
